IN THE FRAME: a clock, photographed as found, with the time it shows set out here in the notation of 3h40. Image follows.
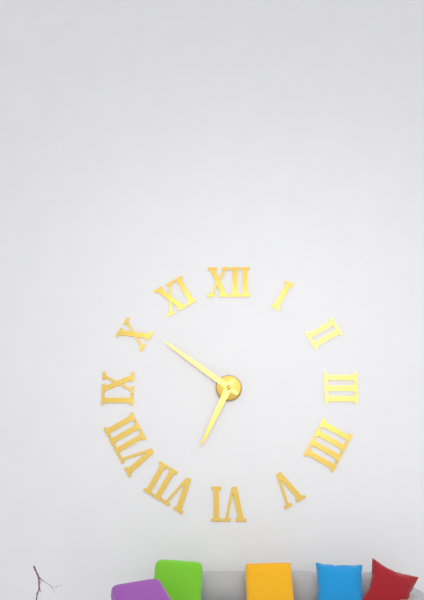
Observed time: 6h51
